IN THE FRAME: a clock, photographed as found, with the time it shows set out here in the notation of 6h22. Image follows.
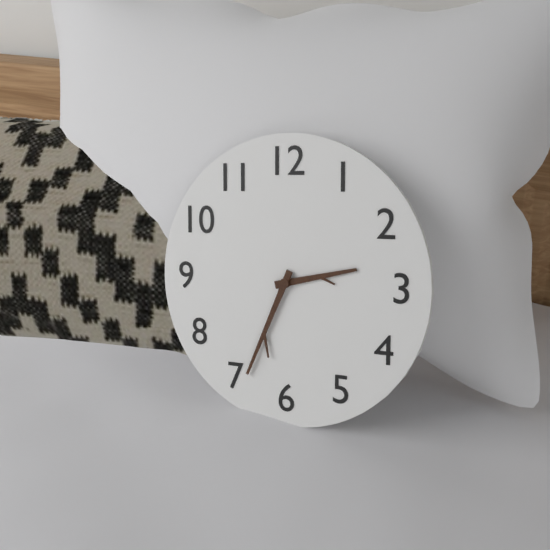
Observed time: 2h34
